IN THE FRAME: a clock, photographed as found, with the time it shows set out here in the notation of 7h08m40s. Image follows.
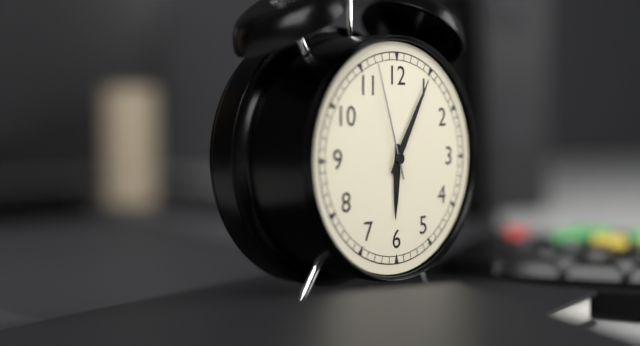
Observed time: 6h05m57s
